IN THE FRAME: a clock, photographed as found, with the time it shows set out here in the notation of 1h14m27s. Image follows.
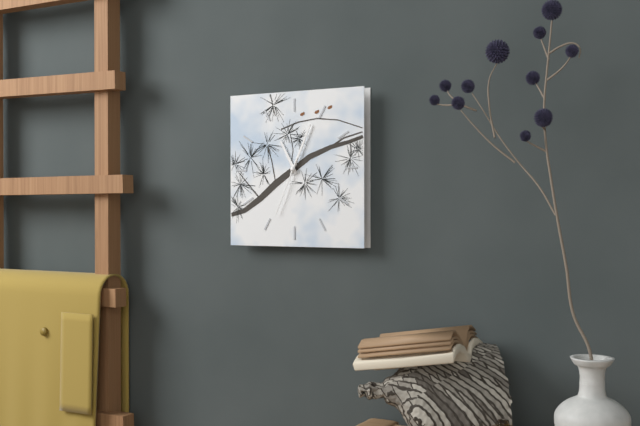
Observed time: 11h04m34s
